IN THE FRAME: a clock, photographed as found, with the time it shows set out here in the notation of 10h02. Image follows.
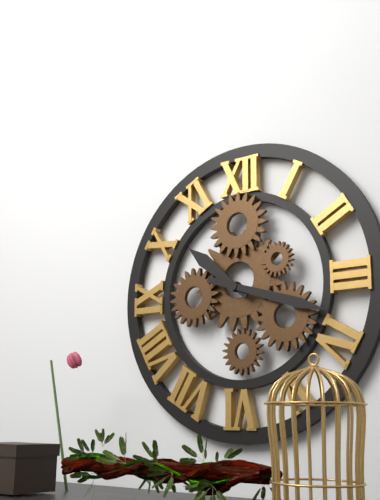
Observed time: 10h18
